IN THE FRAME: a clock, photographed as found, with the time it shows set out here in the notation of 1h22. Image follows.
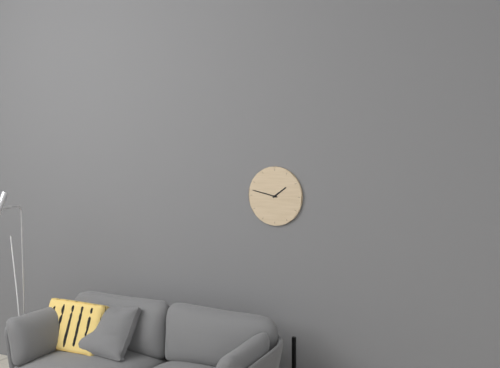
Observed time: 1h47
